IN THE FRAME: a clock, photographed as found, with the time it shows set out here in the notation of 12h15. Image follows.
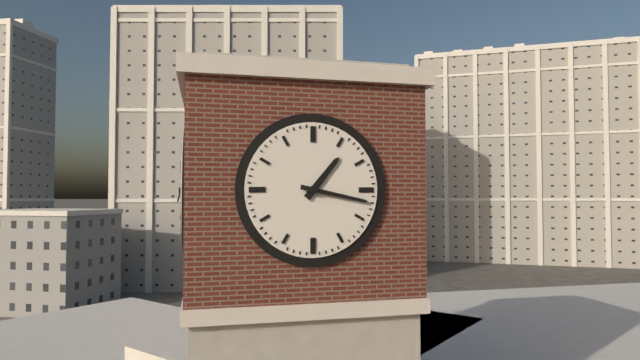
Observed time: 1h17
